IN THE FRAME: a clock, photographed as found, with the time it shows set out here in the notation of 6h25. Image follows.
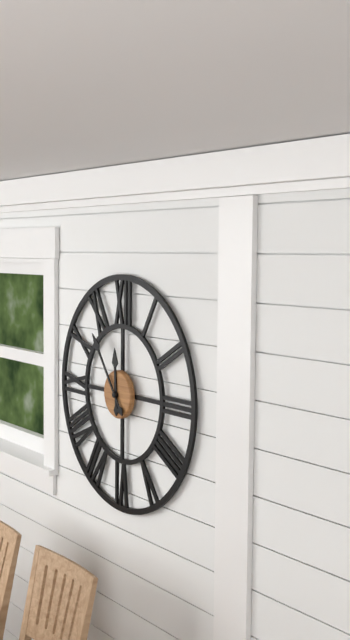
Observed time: 11h54
